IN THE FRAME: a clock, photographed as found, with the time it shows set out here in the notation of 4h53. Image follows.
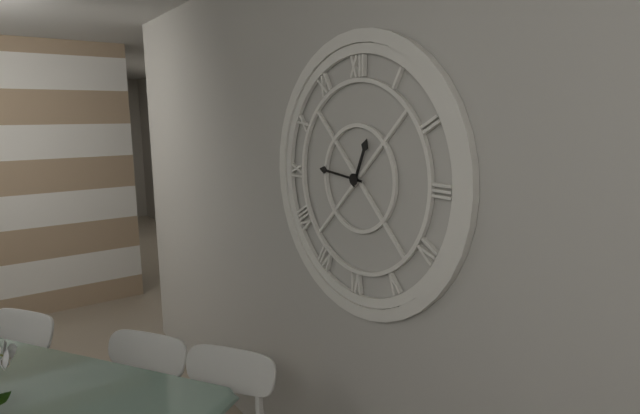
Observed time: 12h46
